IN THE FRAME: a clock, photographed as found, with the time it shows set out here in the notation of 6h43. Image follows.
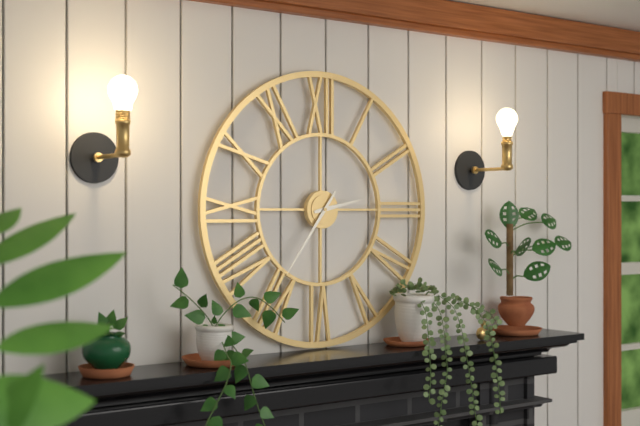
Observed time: 2h36
